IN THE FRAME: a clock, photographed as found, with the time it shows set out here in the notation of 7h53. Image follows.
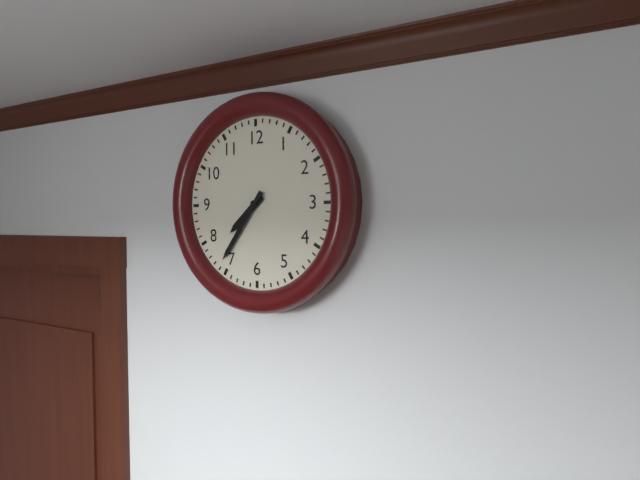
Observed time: 7h36
